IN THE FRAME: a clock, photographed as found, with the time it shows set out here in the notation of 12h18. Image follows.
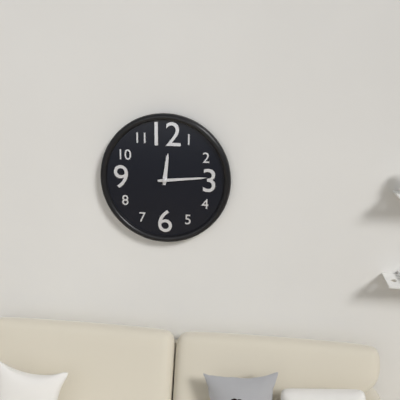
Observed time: 12h14
